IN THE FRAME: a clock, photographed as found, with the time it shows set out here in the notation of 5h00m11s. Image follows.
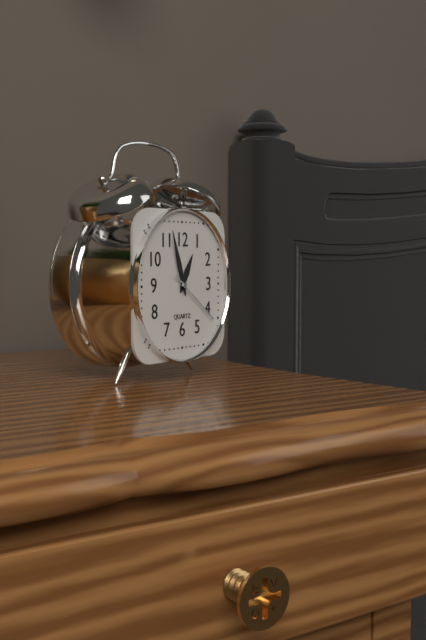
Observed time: 12h57m21s
